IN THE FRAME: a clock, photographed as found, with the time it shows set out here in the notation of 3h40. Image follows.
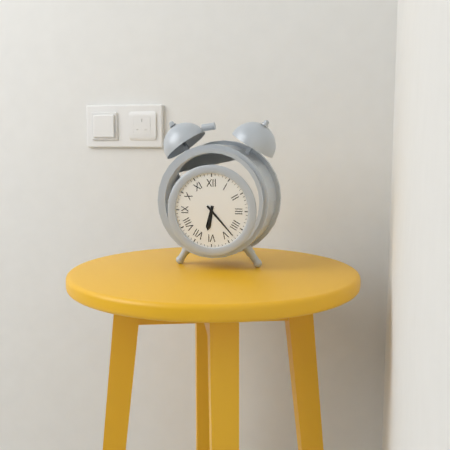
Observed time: 6h23
